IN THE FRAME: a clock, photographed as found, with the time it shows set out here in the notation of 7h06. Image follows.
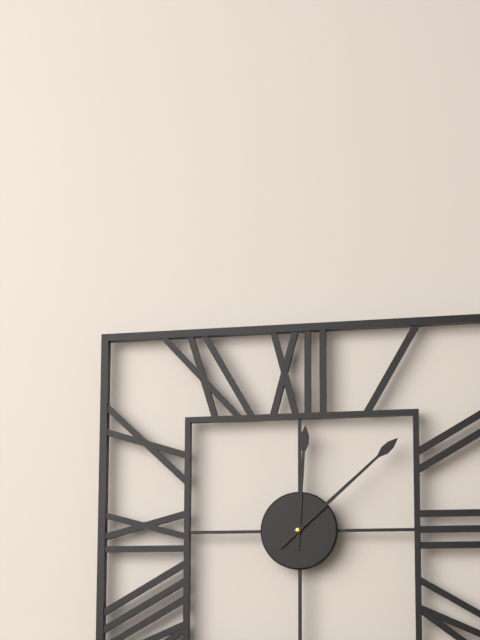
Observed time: 12h08
